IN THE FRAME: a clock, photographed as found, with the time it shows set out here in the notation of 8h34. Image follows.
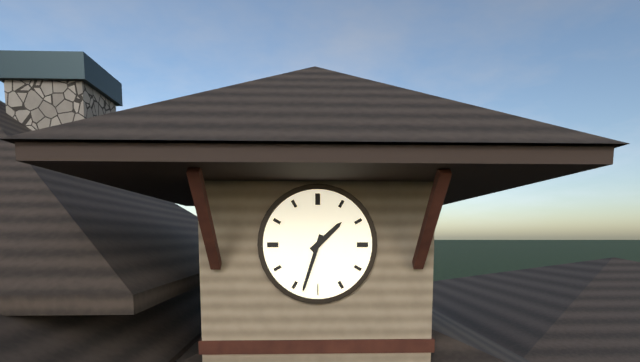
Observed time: 1h33
